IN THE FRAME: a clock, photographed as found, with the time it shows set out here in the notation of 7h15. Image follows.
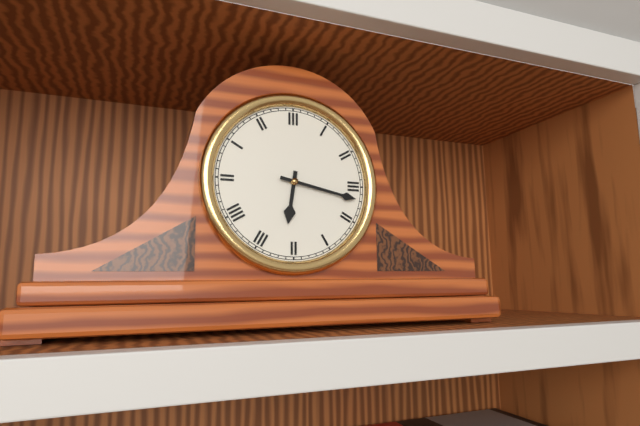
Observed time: 6h17
